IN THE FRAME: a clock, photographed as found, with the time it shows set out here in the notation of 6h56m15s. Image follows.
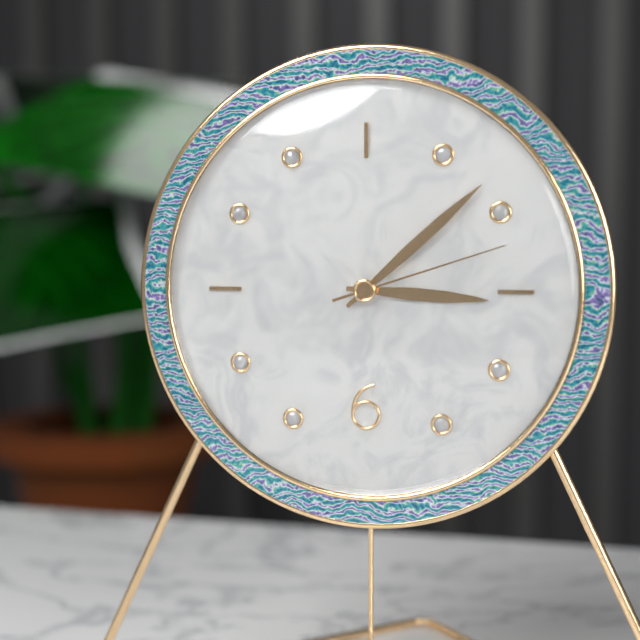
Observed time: 3h08m12s
